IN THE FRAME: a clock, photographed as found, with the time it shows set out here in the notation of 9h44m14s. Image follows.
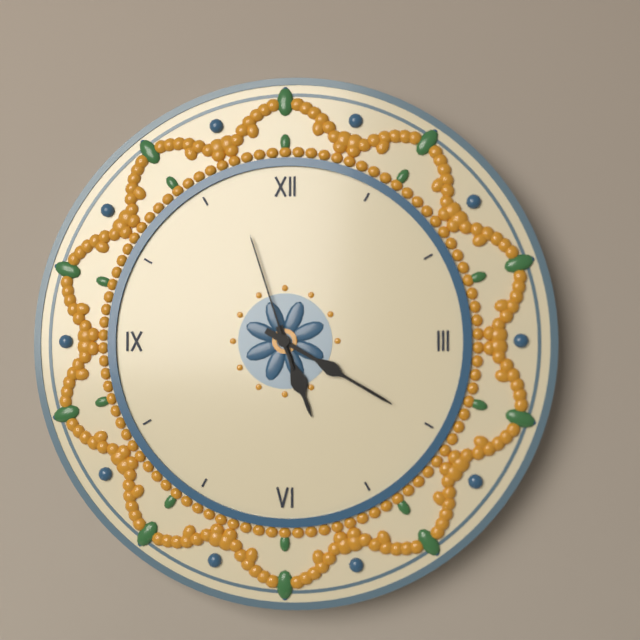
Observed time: 5h20m57s
